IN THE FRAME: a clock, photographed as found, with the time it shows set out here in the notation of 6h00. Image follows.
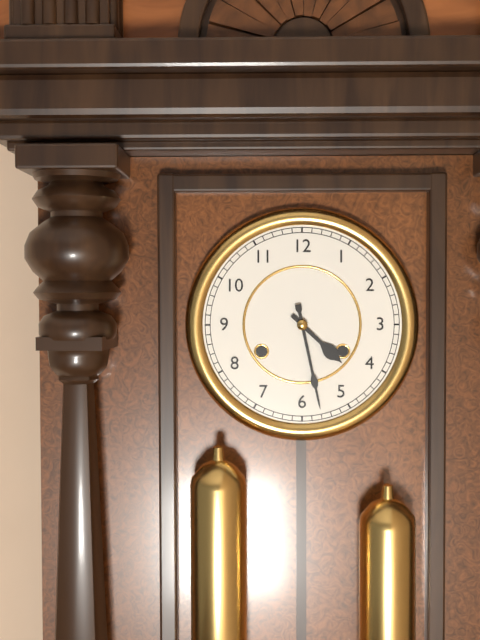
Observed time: 4h28
